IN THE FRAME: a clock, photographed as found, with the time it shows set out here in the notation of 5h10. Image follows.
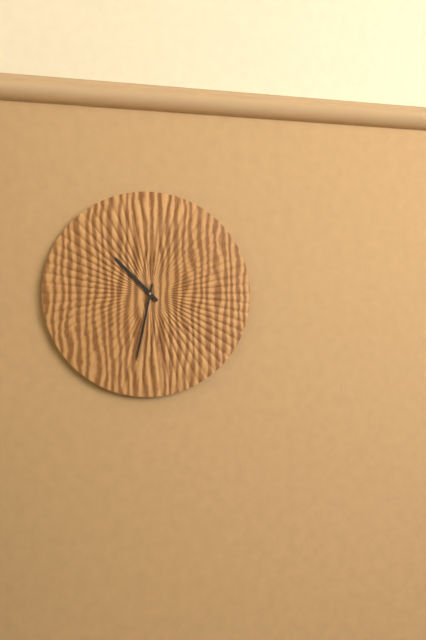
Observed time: 10h32
